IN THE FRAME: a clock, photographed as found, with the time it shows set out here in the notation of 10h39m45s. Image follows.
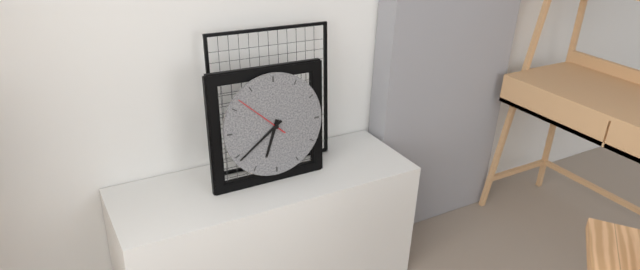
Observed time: 6h39m52s
